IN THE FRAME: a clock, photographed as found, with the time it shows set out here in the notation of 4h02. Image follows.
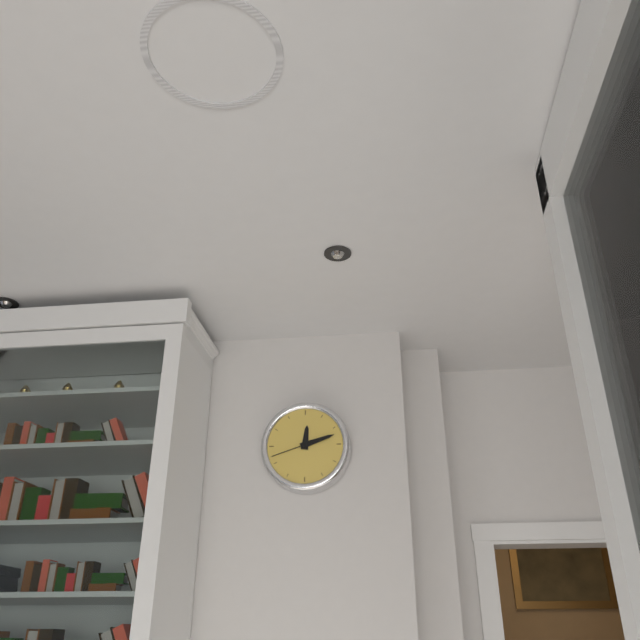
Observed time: 12h12
